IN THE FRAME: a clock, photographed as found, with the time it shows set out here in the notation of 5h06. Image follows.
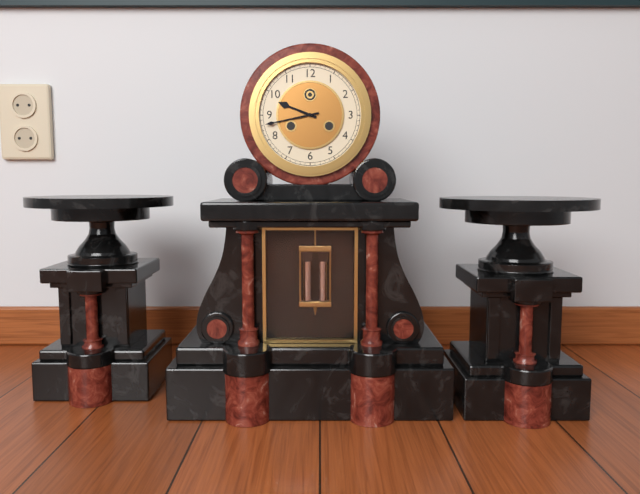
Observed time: 9h43
